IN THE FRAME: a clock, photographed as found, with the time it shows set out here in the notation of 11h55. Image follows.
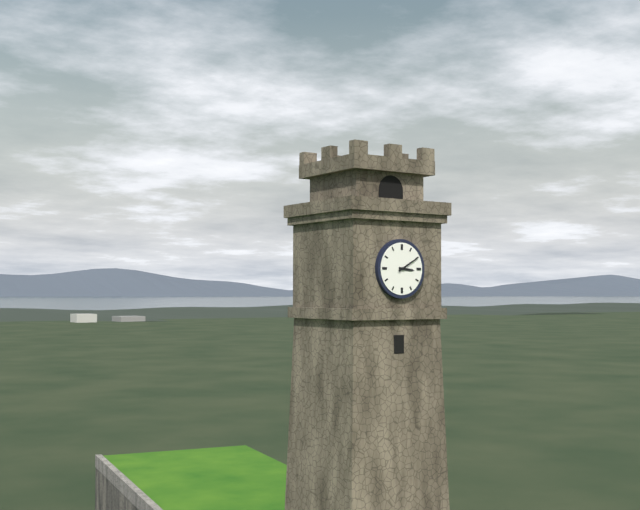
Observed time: 3h10
